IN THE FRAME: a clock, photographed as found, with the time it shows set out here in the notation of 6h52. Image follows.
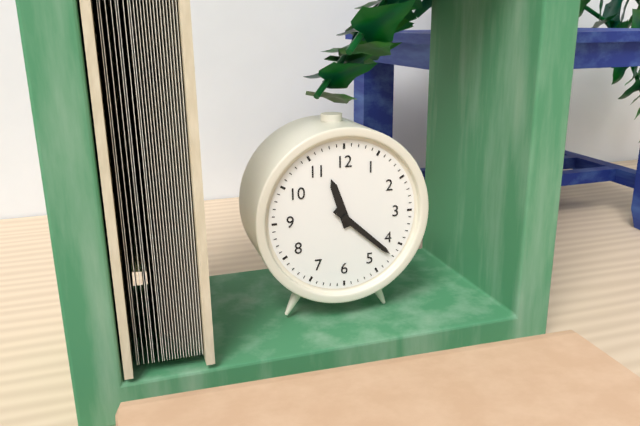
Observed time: 11h22
